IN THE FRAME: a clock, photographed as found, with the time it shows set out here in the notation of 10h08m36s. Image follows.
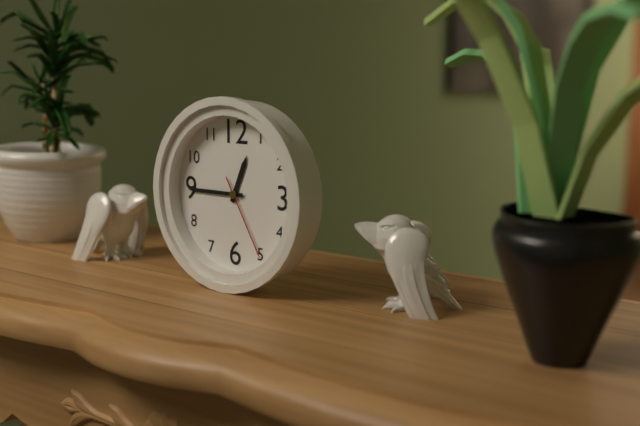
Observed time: 12h45m25s
